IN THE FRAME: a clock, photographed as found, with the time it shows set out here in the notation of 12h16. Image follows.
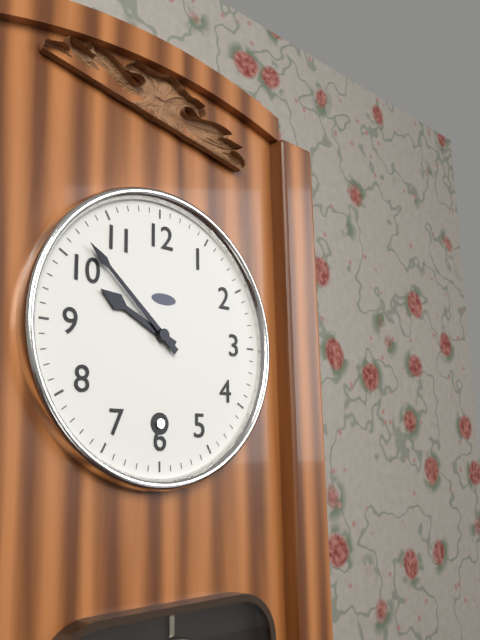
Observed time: 9h52
